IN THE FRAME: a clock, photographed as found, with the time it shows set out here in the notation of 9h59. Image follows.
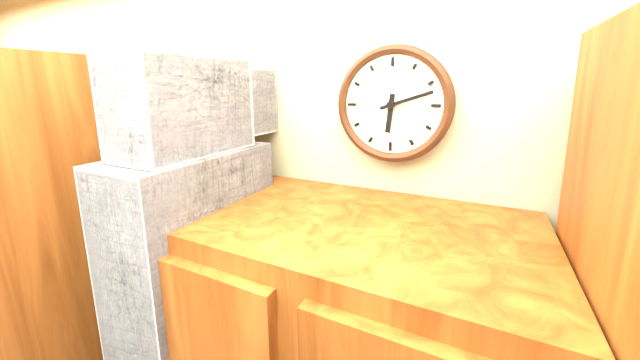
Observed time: 6h12
